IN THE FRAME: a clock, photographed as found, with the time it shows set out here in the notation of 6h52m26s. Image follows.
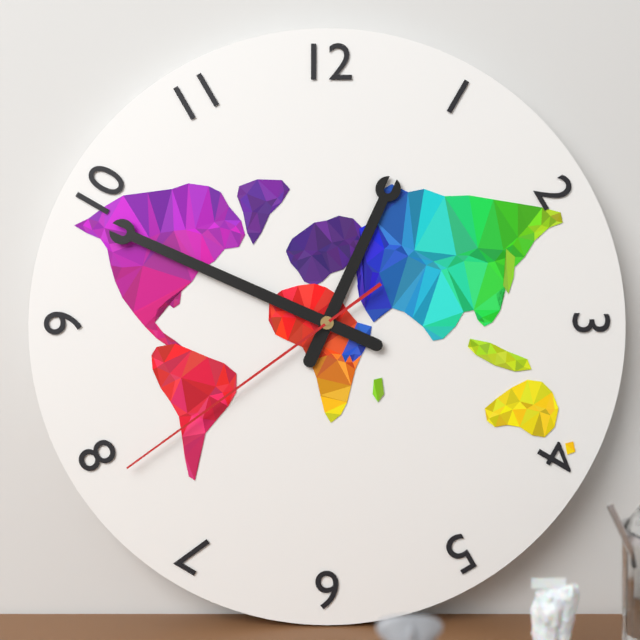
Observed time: 12h49m39s
